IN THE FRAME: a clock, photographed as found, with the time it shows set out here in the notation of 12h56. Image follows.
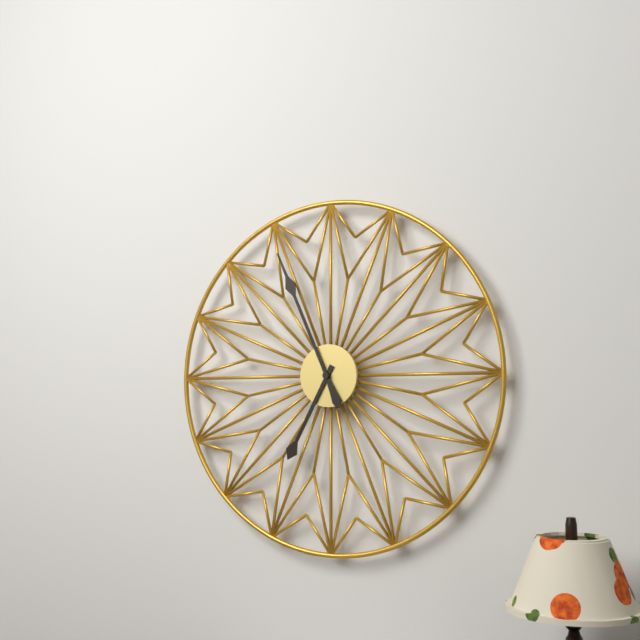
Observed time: 6h56
